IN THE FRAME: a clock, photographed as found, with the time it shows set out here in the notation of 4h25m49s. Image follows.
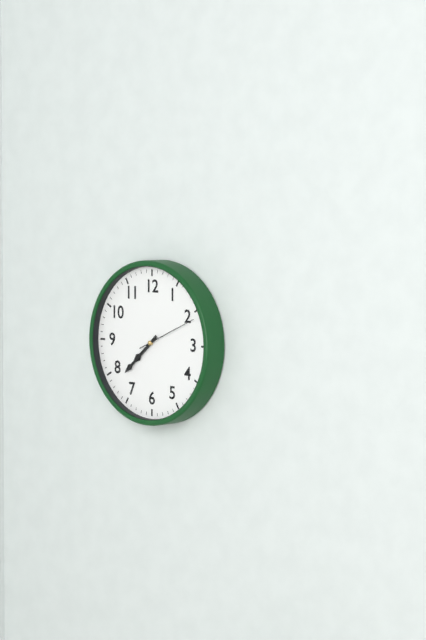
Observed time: 7h38m11s
